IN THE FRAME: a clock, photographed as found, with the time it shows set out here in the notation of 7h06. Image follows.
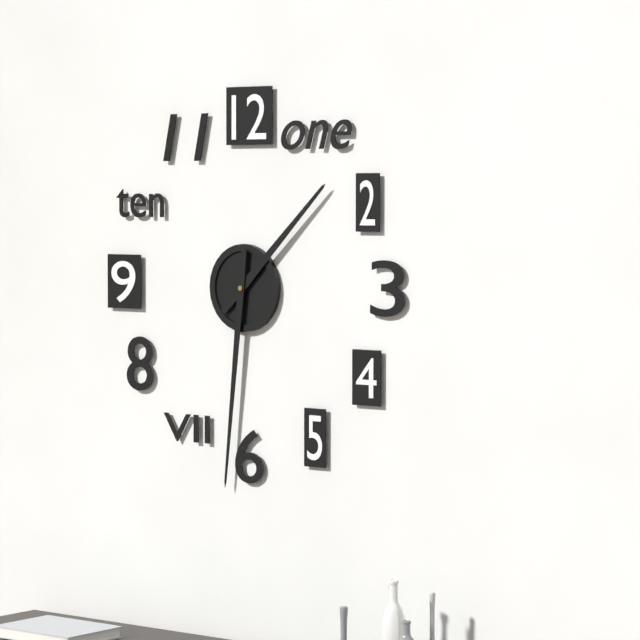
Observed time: 1h31
